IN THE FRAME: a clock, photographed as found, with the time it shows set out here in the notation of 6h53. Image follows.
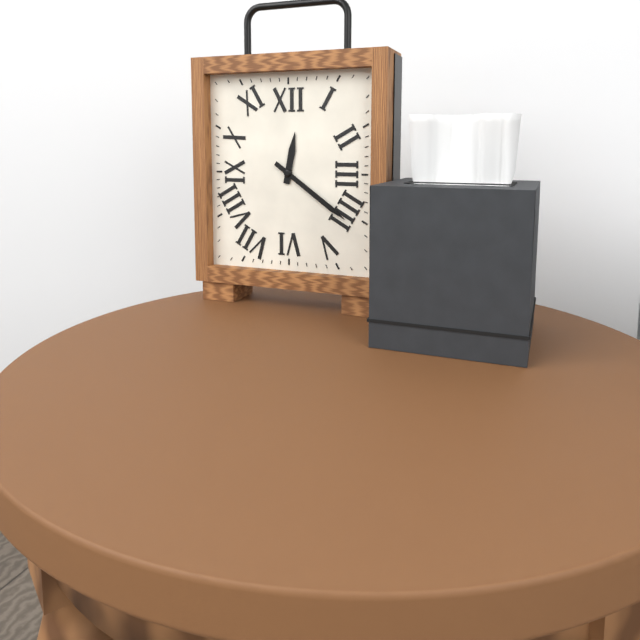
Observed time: 12h21
